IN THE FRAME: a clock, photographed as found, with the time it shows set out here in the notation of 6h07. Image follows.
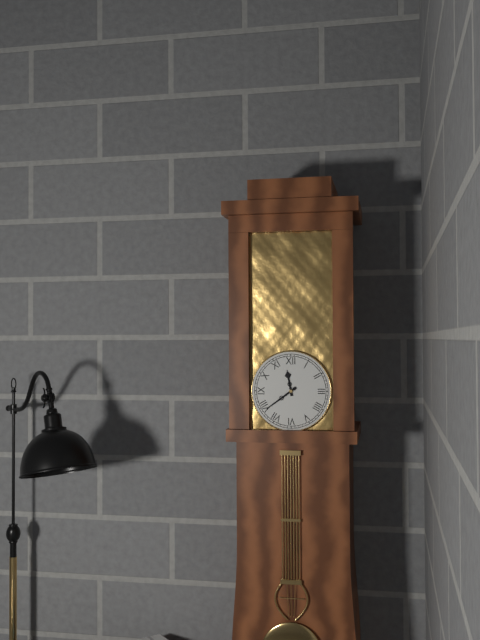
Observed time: 11h39
